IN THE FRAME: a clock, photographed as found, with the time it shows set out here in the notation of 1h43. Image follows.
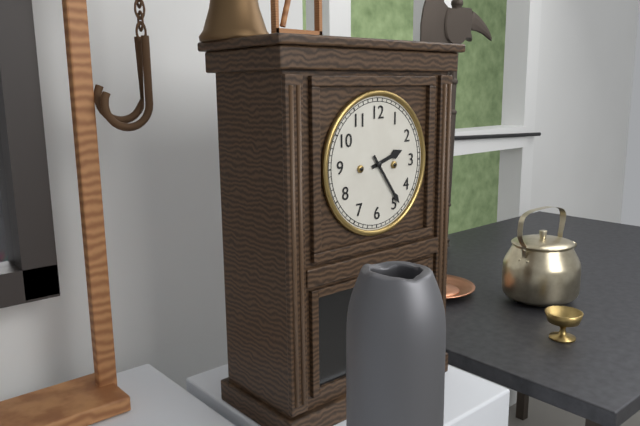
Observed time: 2h24
